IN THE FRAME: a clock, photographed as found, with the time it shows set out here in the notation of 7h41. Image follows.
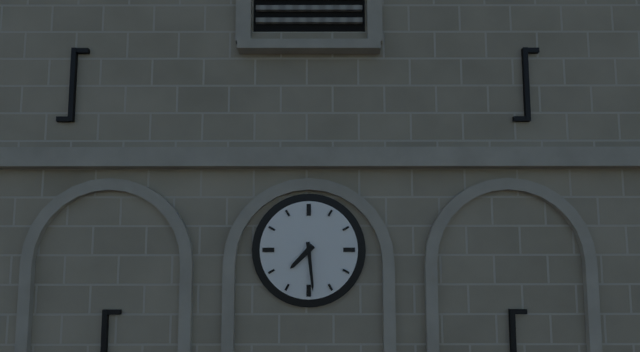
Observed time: 7h29
